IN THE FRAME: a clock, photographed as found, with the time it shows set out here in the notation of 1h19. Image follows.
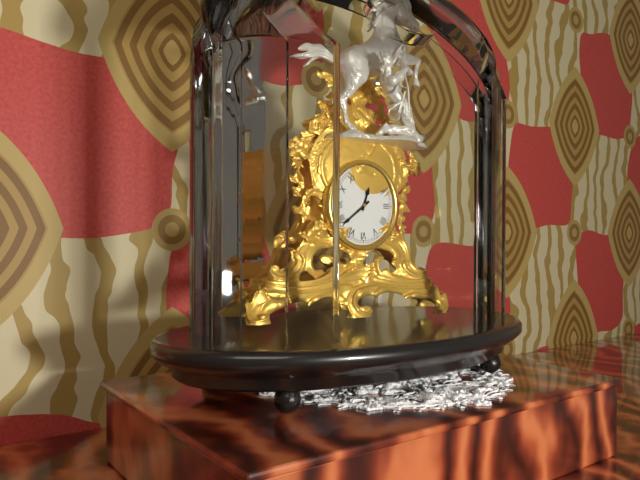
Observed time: 12h39
